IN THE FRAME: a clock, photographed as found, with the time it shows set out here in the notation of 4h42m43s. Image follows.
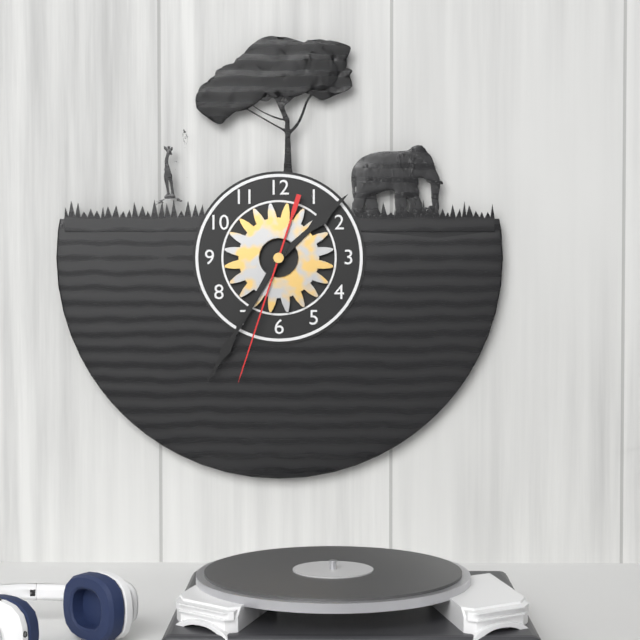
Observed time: 1h35m33s
